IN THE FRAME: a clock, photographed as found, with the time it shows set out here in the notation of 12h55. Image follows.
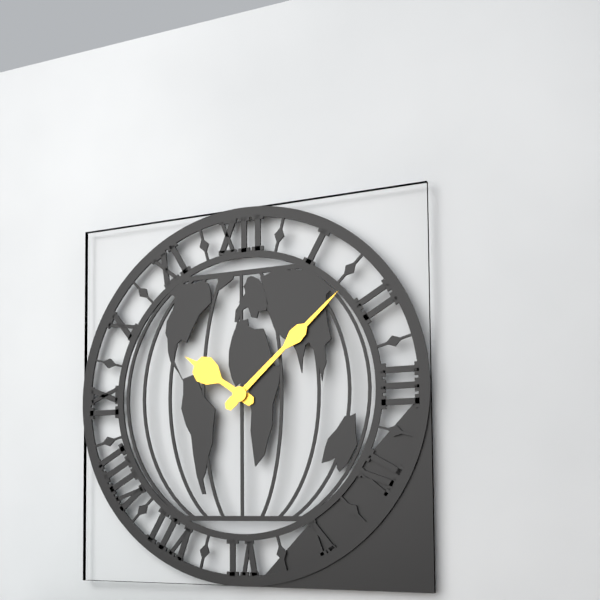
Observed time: 10h08
